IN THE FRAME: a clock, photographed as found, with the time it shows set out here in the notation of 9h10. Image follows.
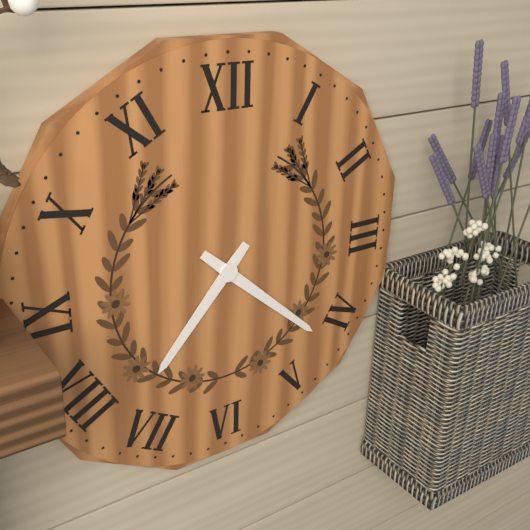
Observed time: 7h22
